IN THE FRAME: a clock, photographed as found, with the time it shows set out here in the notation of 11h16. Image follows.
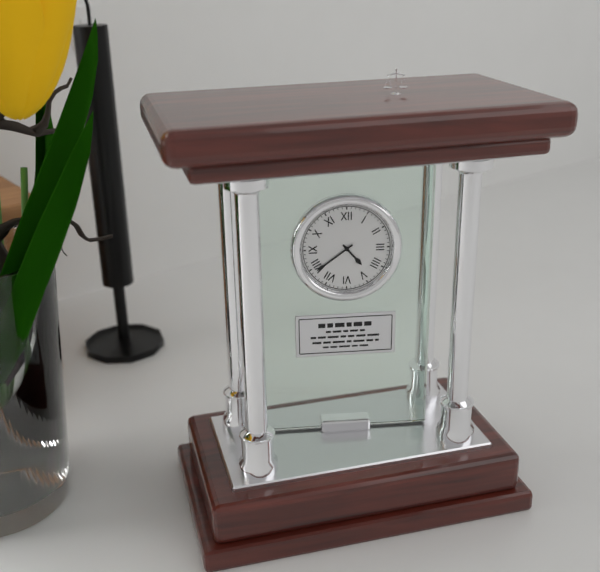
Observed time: 4h39
